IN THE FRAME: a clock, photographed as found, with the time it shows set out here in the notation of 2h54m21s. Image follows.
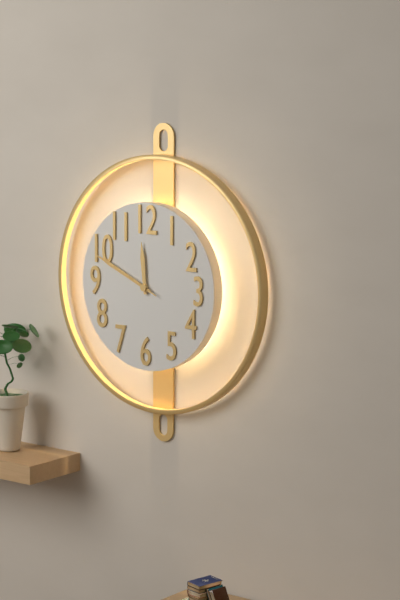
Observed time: 11h49m49s
